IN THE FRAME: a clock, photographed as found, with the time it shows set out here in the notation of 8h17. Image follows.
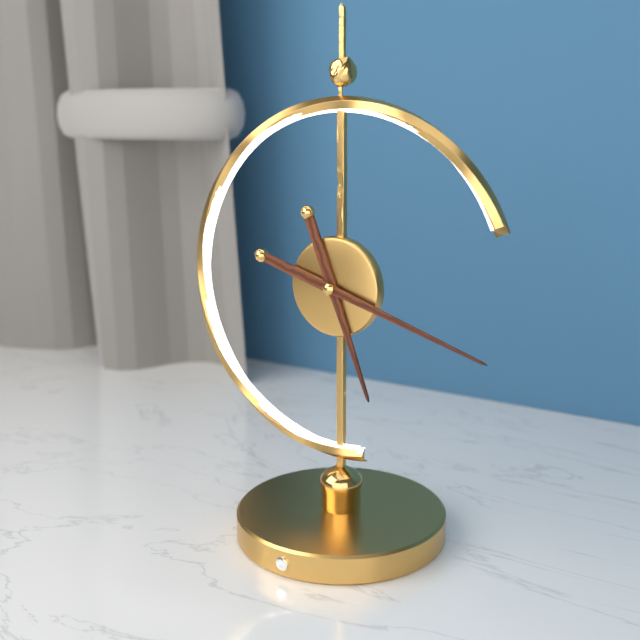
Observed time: 5h18
